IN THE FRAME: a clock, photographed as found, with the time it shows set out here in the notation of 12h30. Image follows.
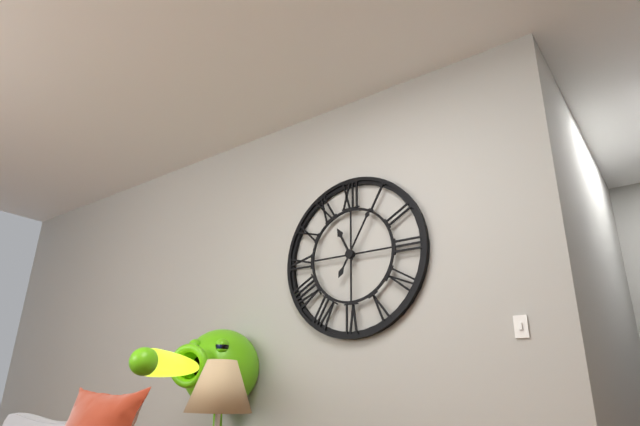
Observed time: 11h05
